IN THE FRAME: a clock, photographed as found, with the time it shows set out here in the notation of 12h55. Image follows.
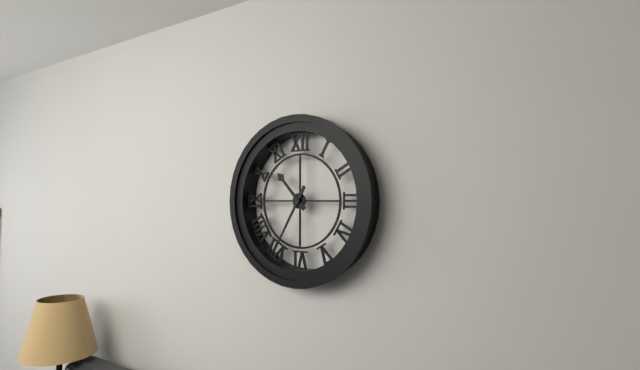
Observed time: 10h35
